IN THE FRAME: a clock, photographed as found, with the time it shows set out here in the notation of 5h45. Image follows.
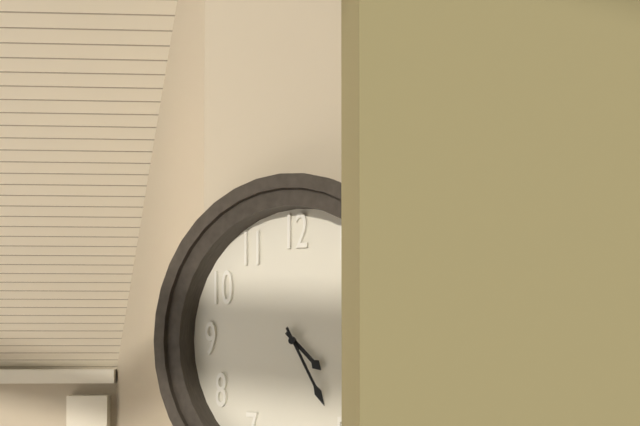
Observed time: 4h25
